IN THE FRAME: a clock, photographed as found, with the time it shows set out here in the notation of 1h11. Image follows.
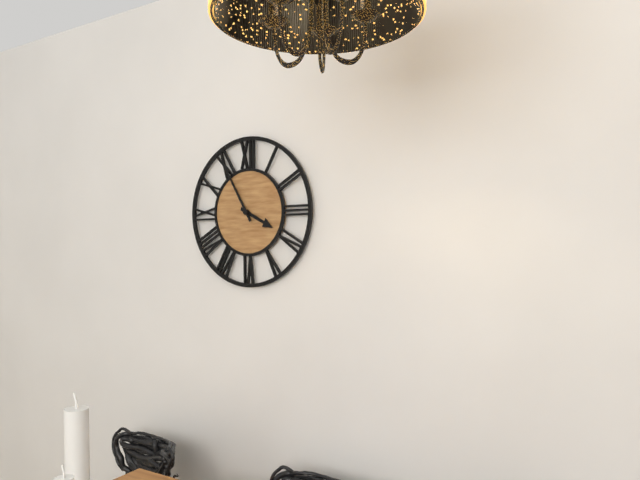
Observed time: 3h55
